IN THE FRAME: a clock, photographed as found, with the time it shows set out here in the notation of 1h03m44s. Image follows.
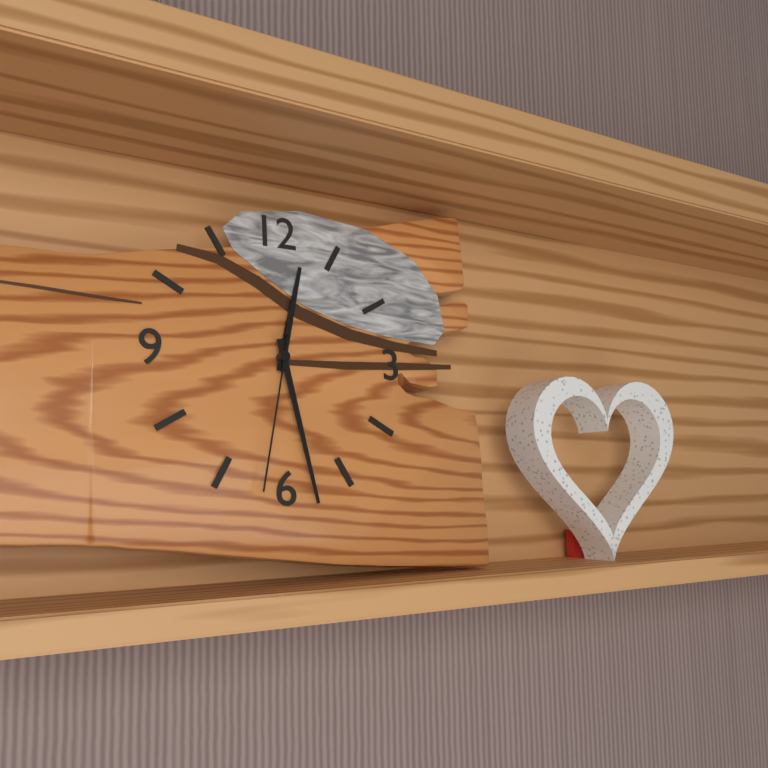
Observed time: 12h28m32s
